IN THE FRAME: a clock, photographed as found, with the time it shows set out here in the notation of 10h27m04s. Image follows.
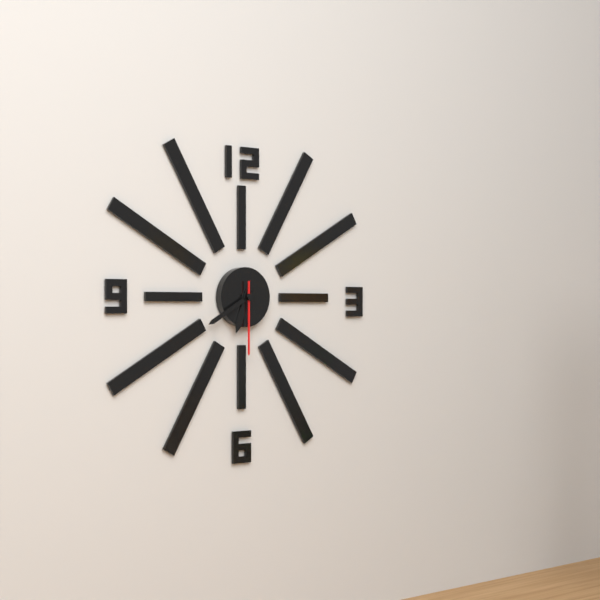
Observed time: 6h40m30s
